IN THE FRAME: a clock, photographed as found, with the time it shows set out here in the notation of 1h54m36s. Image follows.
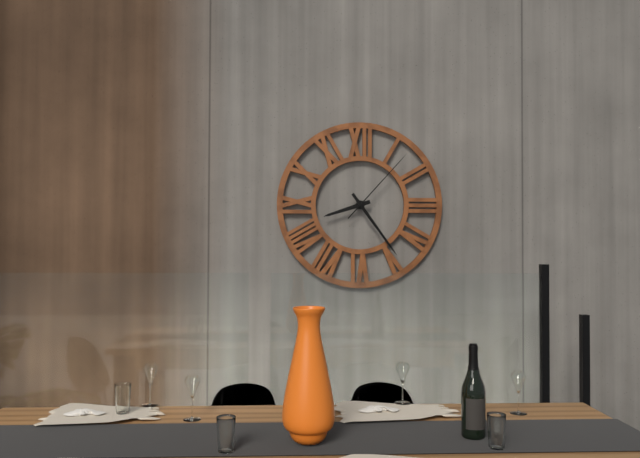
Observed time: 8h24m07s
